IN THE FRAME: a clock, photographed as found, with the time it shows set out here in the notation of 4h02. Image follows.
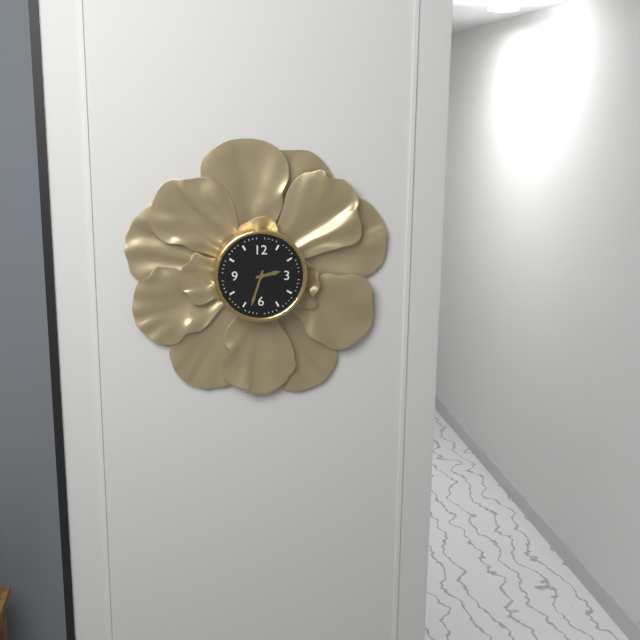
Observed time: 2h33
